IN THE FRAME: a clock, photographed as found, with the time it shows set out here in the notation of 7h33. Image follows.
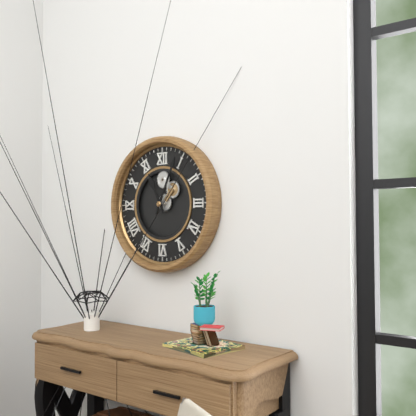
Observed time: 11h04
